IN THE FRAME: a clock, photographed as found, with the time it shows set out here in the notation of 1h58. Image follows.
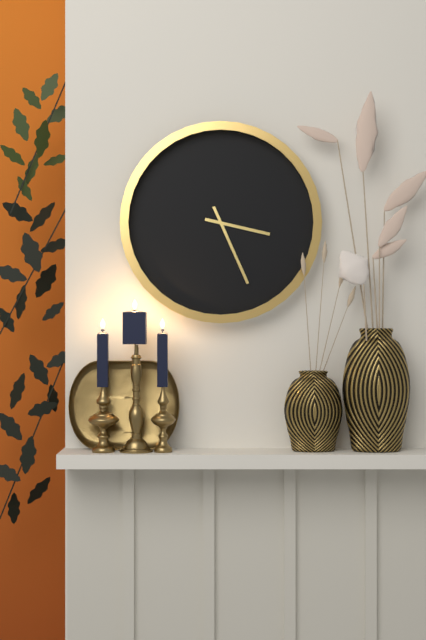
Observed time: 3h26
